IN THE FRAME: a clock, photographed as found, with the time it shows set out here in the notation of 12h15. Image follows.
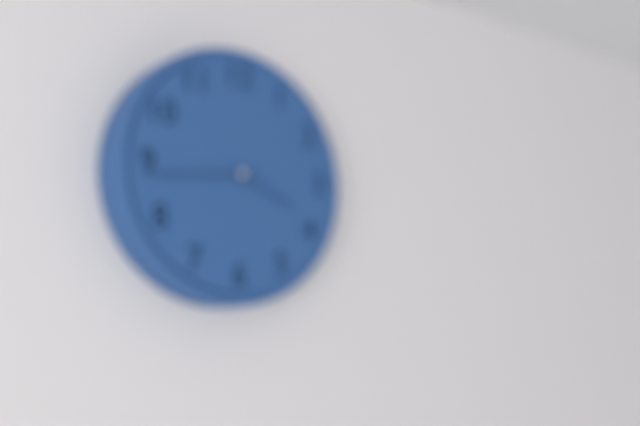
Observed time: 3h44
